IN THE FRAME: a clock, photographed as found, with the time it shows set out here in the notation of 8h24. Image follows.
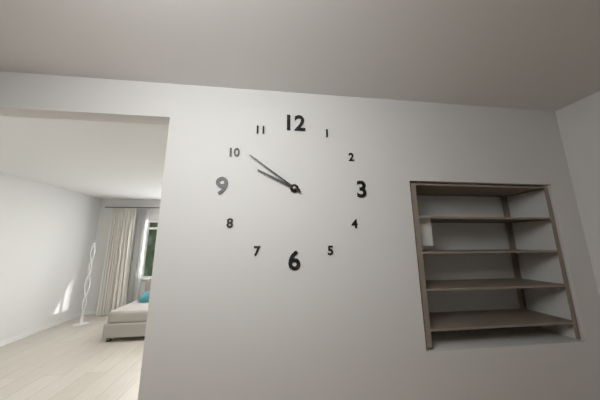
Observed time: 9h51
